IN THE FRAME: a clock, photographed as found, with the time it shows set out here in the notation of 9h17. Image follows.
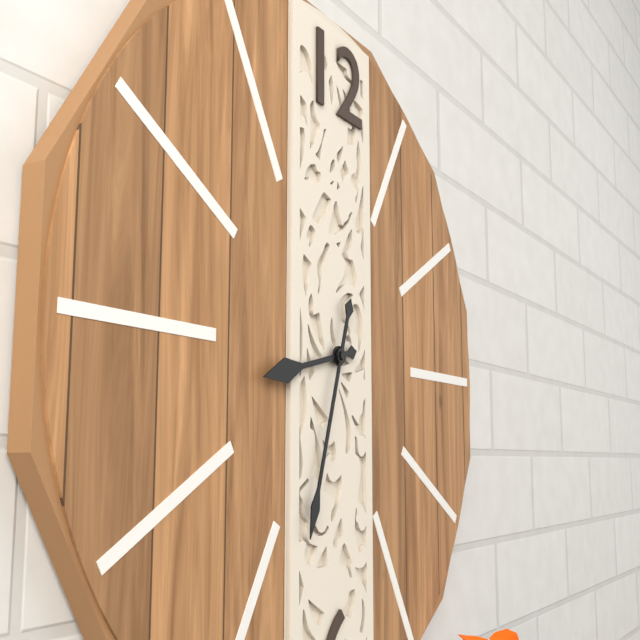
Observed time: 8h33
